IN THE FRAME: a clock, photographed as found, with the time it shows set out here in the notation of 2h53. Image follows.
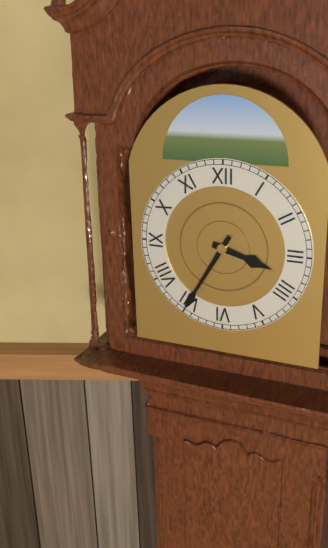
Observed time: 3h35
